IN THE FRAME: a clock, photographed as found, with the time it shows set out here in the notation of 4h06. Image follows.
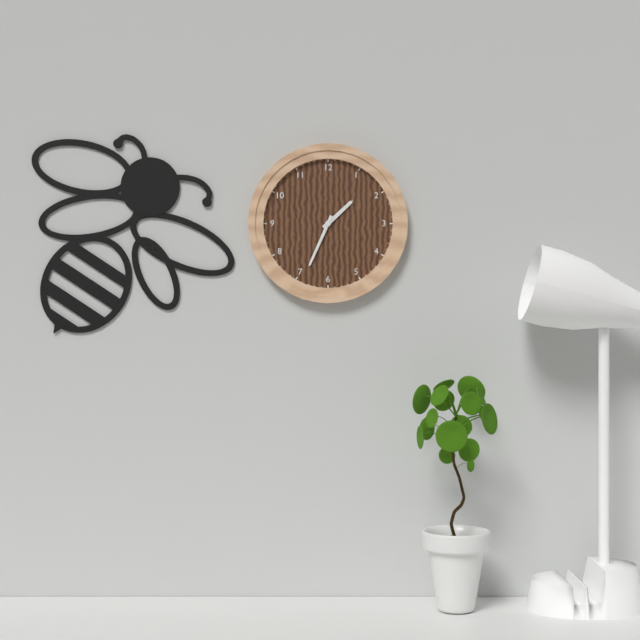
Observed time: 1h34
